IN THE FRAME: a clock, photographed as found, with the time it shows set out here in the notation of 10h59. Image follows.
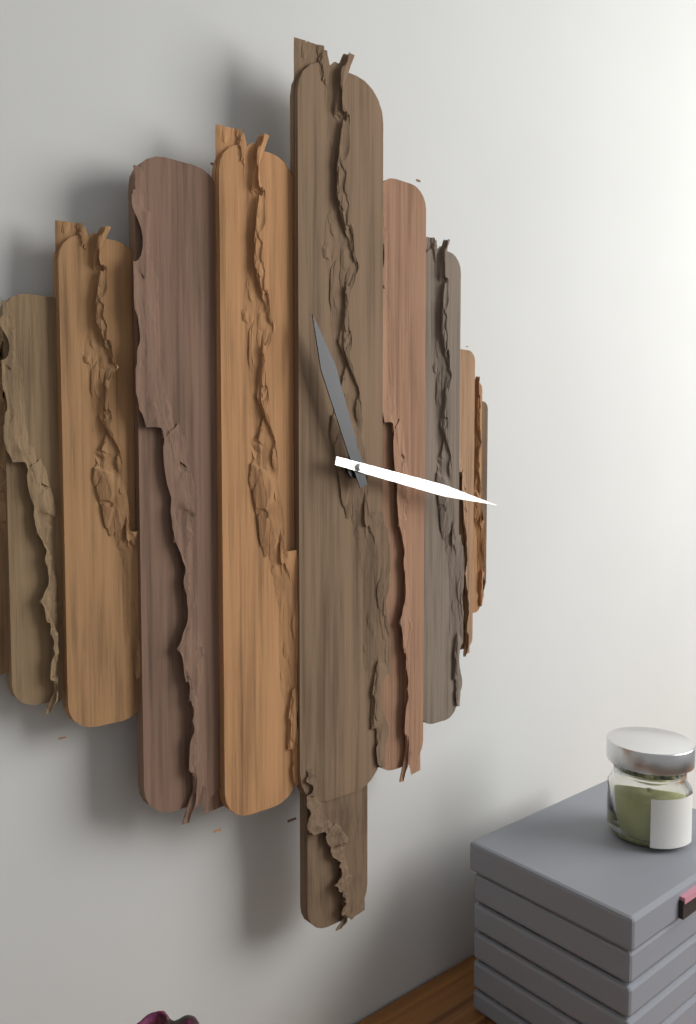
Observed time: 11h17
